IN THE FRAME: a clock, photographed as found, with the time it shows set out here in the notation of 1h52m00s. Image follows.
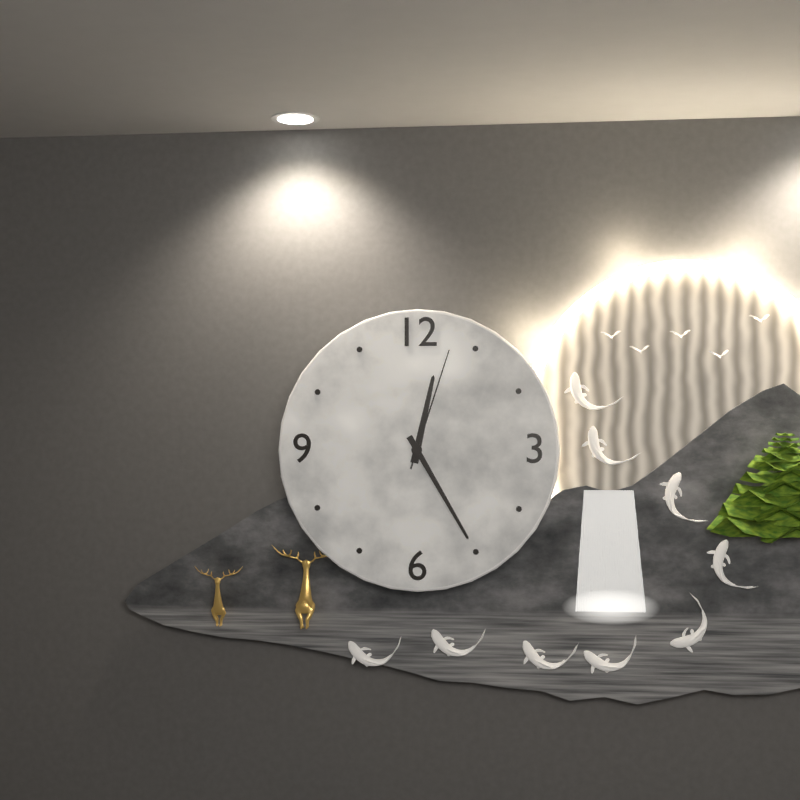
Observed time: 12h25m03s
